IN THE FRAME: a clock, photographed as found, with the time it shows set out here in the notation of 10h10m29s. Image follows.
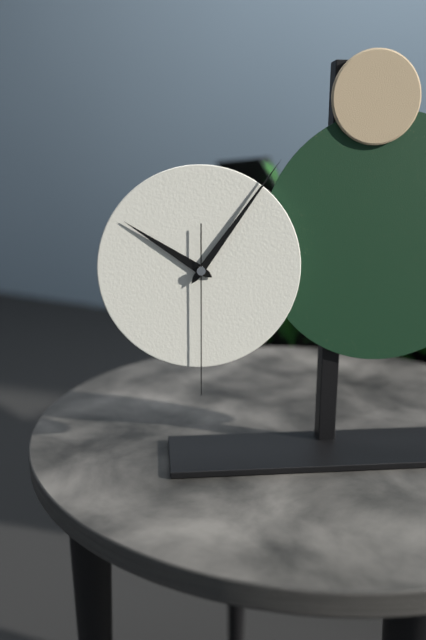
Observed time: 10h06m30s
